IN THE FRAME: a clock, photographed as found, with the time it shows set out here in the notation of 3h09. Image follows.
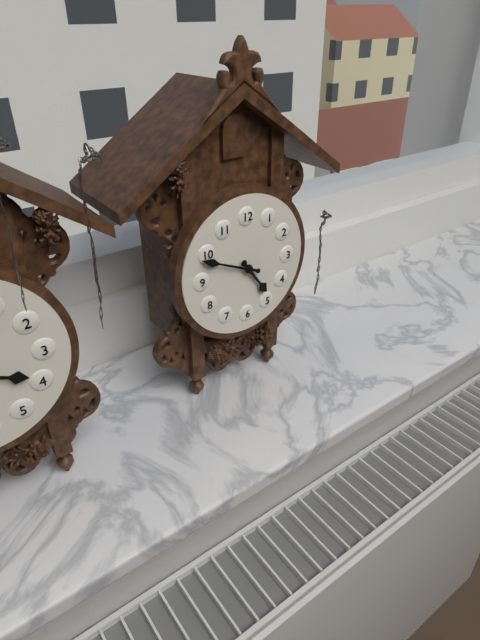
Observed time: 4h49
